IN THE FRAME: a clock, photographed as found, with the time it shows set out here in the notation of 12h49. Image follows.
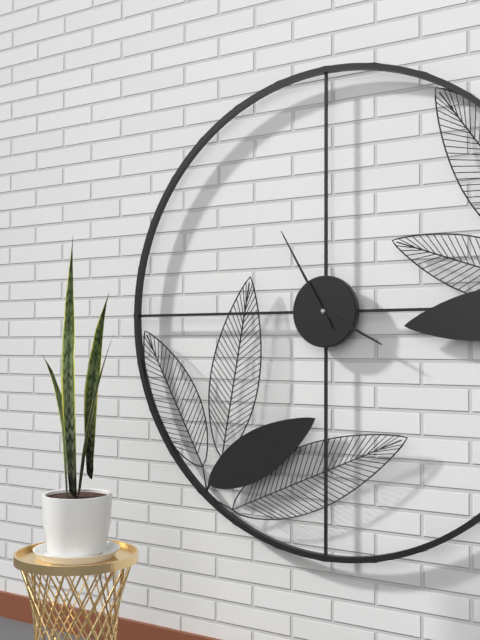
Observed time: 3h55
